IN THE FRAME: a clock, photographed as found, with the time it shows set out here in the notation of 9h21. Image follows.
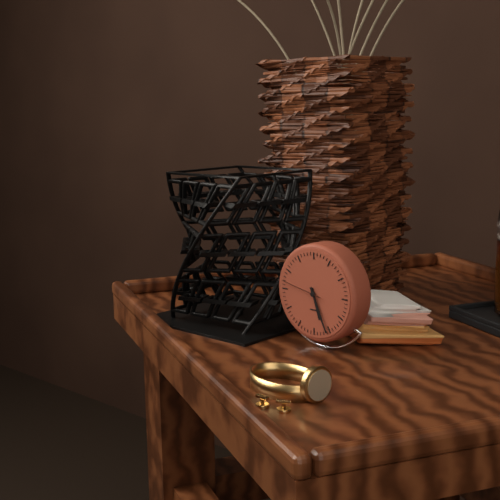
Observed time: 5h26
